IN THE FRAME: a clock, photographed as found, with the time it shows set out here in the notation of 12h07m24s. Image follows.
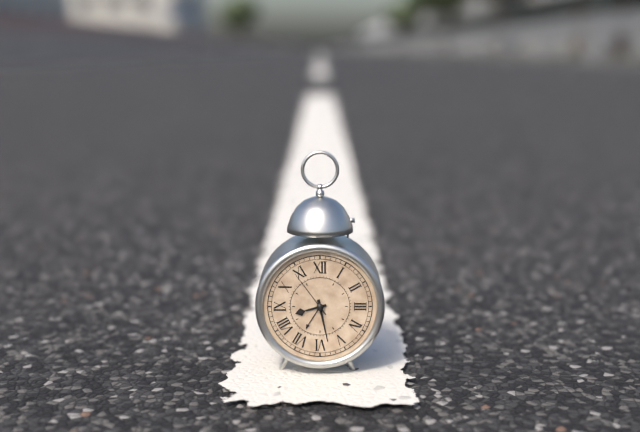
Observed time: 8h28m54s
